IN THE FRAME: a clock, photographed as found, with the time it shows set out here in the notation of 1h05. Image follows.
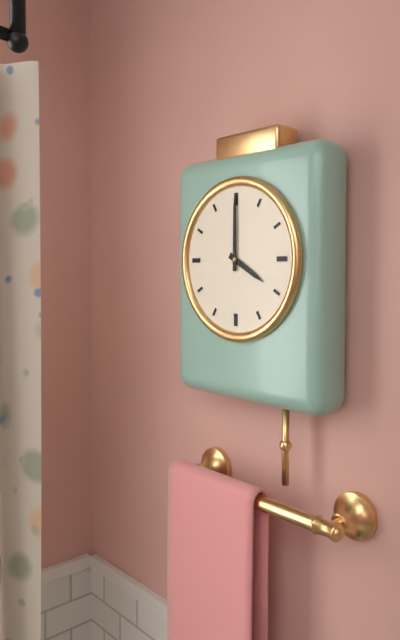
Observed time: 4h00
